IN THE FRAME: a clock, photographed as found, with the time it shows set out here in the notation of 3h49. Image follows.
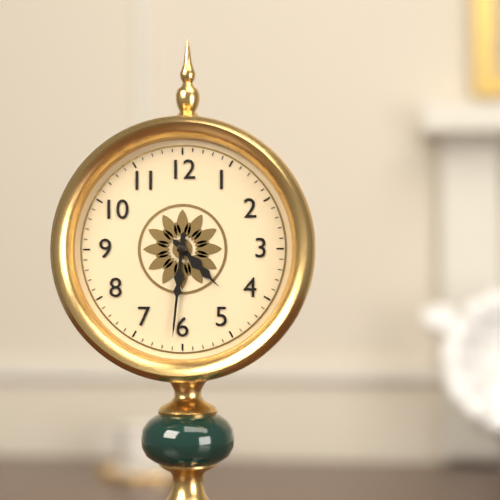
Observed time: 4h31
